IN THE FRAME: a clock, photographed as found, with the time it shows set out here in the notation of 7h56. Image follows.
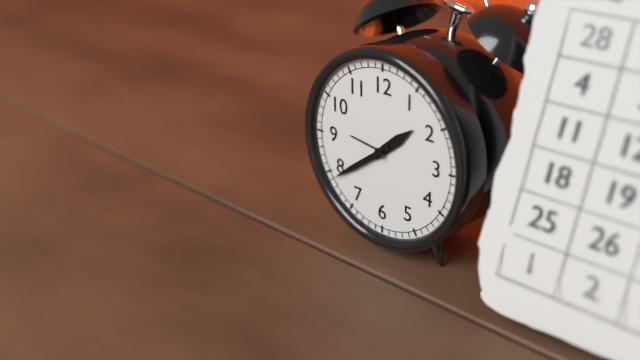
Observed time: 1h39
